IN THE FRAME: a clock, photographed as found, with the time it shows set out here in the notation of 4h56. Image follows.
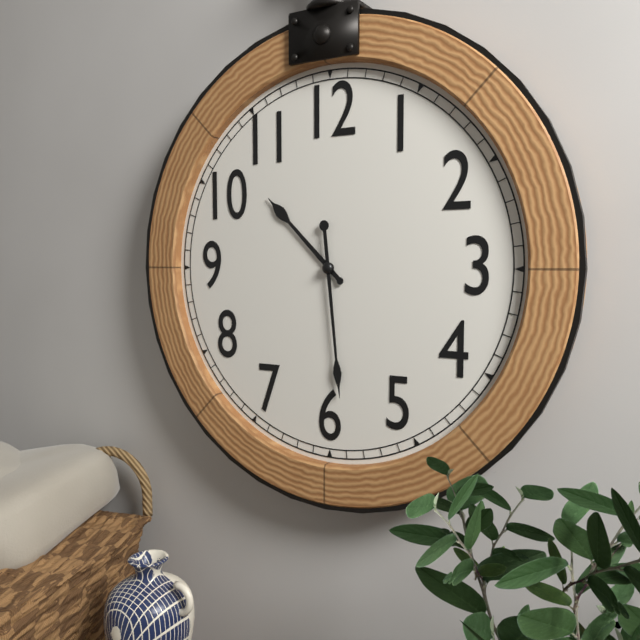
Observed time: 10h29
